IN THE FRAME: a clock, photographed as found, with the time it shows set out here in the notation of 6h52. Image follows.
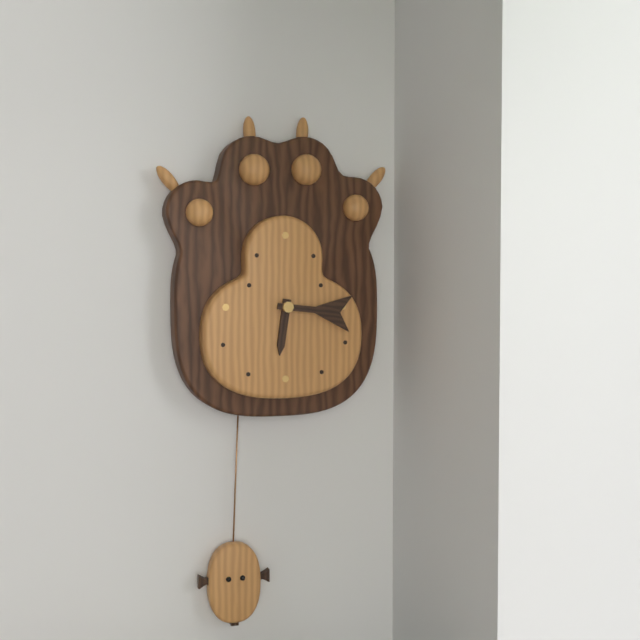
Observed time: 6h16
